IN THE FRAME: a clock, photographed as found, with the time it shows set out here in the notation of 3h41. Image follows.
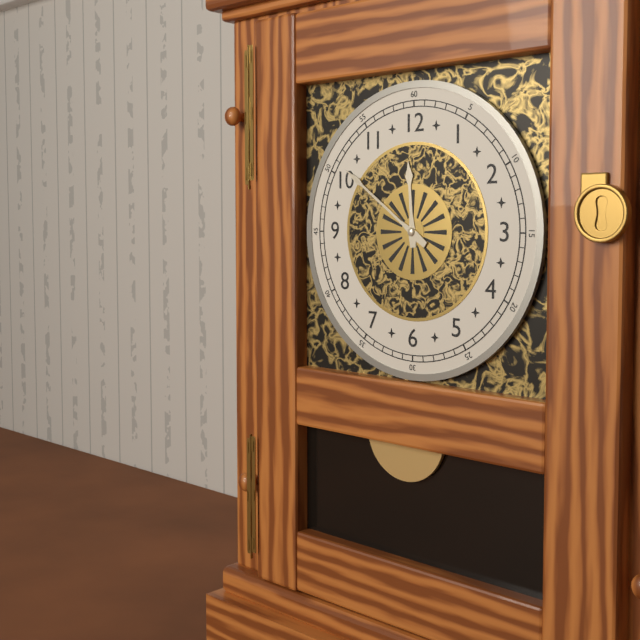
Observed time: 11h51
